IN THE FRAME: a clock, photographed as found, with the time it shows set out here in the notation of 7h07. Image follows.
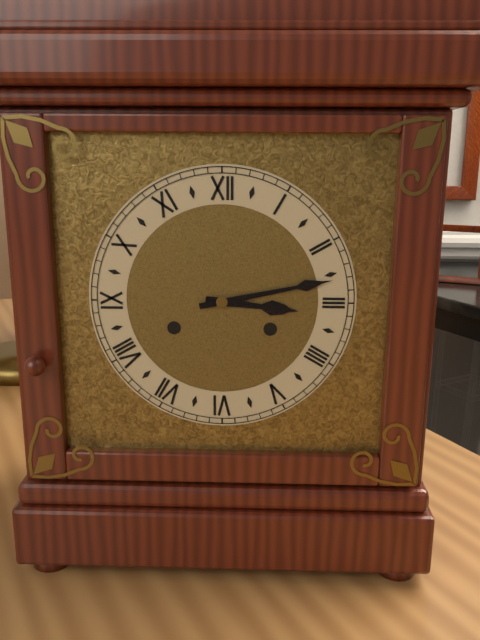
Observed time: 3h13
